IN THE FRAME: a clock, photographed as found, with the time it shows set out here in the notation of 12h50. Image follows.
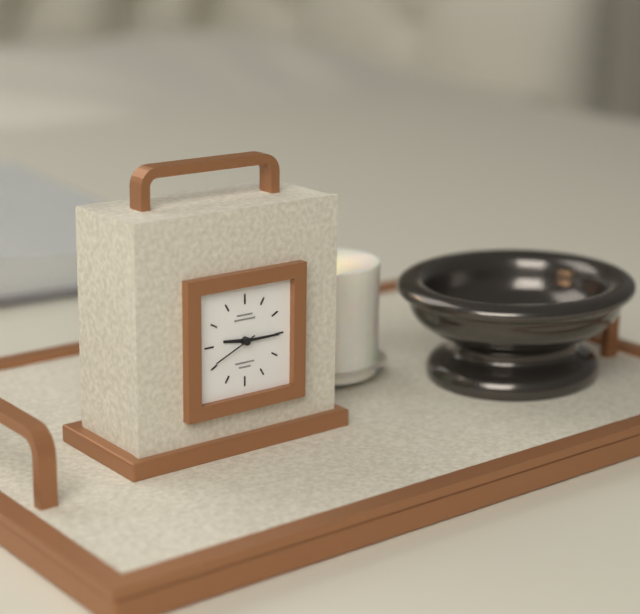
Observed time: 9h15
